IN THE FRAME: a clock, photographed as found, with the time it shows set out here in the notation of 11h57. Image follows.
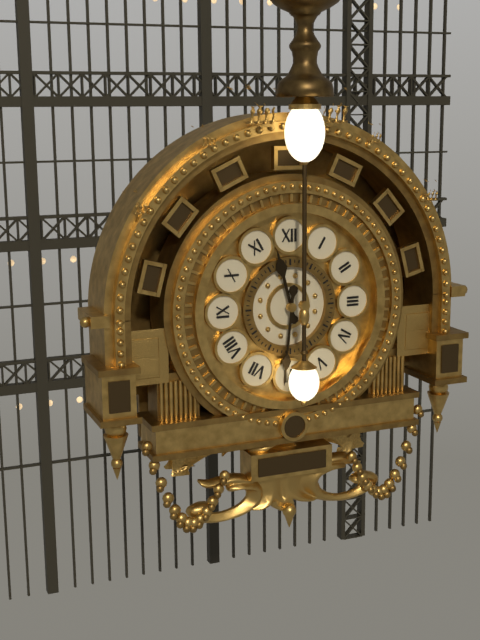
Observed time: 11h31
